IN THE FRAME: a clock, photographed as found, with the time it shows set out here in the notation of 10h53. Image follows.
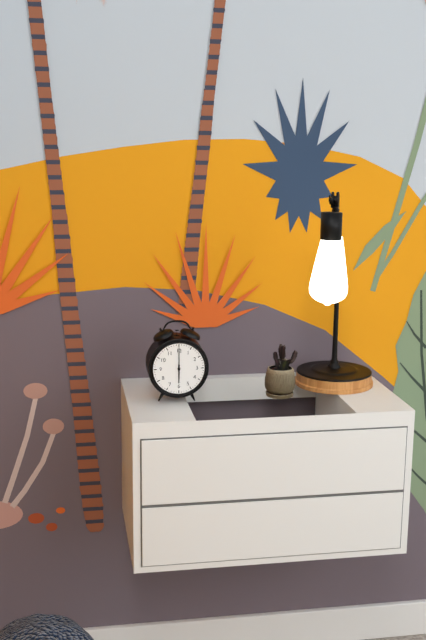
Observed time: 6h00
